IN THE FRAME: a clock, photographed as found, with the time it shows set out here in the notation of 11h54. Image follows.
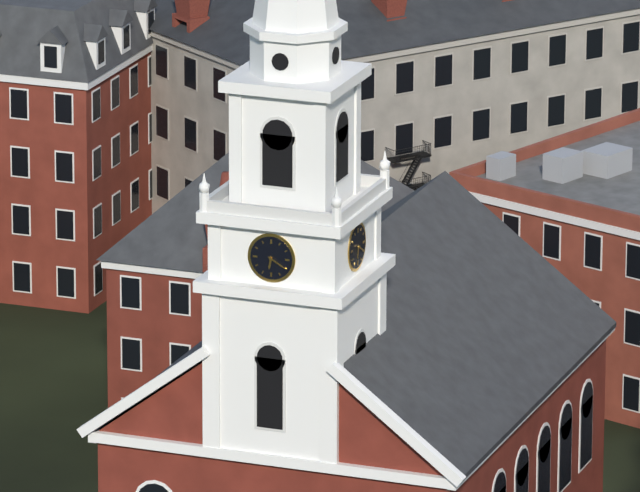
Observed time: 6h20
